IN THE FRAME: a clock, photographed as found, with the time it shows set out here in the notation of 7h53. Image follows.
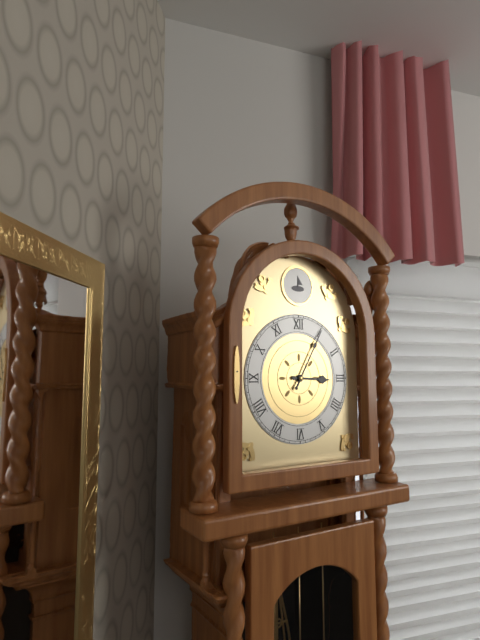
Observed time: 3h05
